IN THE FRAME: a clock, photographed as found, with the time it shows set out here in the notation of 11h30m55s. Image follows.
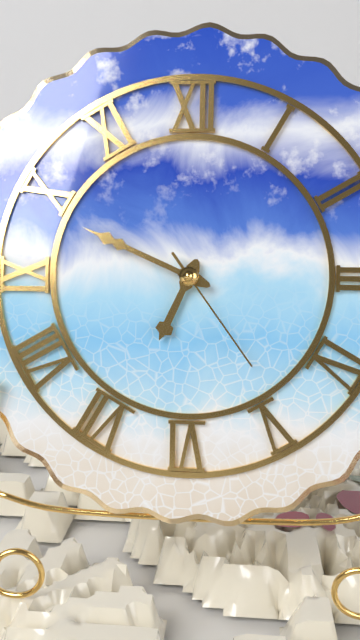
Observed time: 6h49m24s
